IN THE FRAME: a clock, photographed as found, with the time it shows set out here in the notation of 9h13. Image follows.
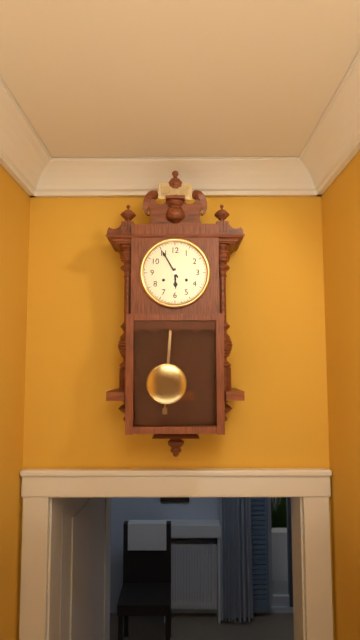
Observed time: 5h55
